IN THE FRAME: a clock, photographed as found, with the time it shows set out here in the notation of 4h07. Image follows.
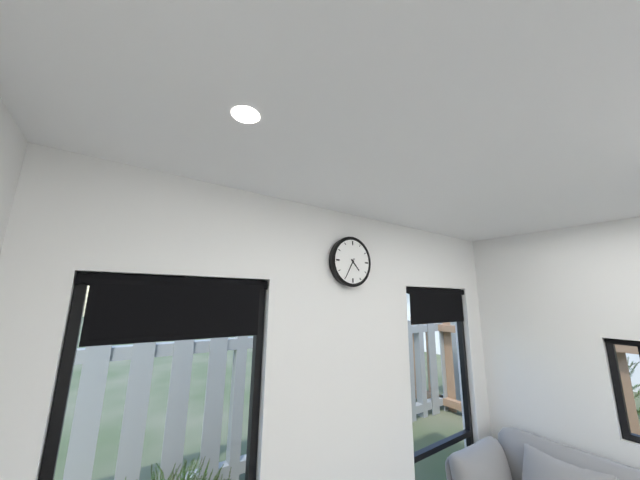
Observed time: 4h35
